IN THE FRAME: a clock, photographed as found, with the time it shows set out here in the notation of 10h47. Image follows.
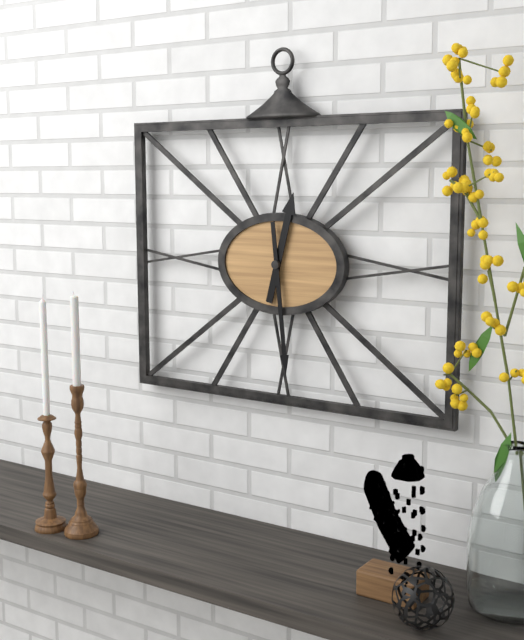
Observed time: 12h29
